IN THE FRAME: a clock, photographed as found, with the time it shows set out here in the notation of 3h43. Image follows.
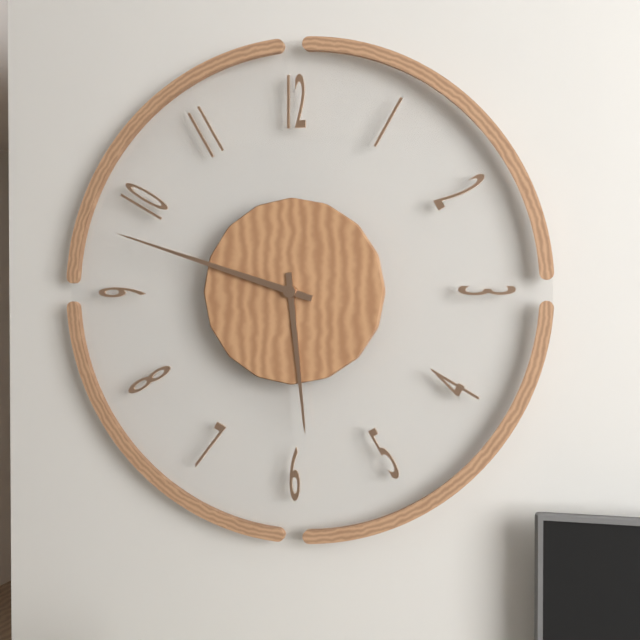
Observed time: 5h48
